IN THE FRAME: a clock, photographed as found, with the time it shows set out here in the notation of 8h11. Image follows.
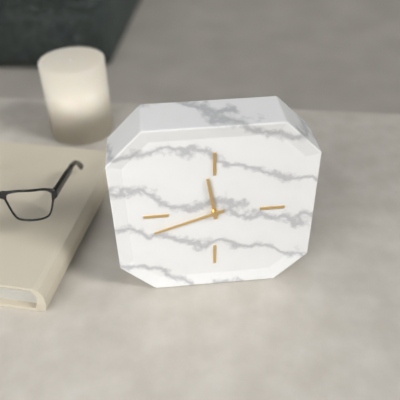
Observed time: 11h42
